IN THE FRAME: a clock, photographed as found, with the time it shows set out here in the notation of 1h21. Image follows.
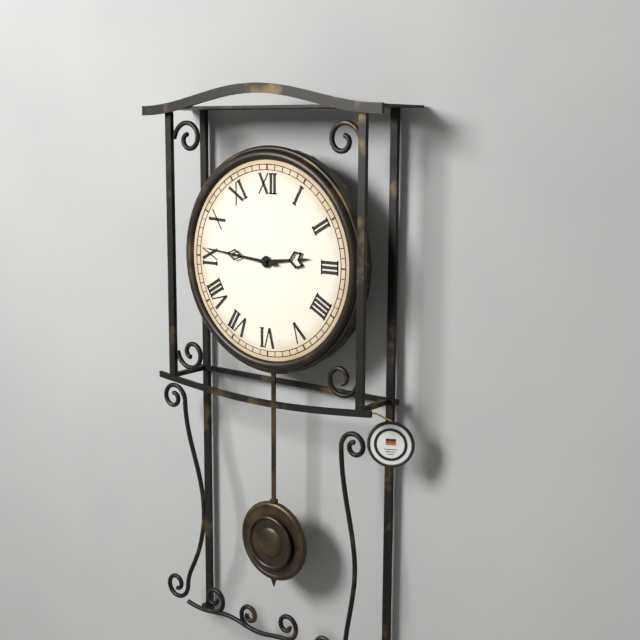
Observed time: 2h46
